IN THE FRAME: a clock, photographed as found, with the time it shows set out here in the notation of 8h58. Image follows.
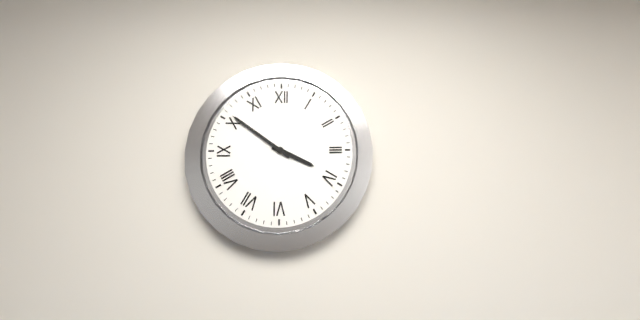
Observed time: 3h51
